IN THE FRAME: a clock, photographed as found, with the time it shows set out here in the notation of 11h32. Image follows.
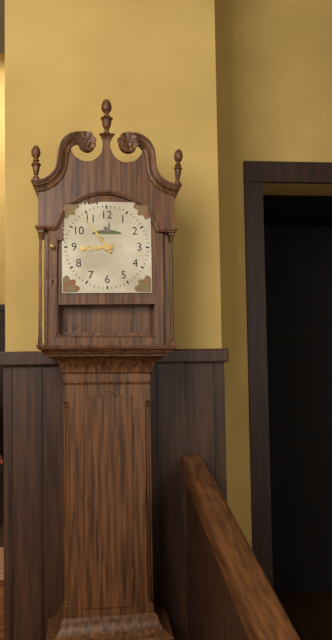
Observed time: 8h54
